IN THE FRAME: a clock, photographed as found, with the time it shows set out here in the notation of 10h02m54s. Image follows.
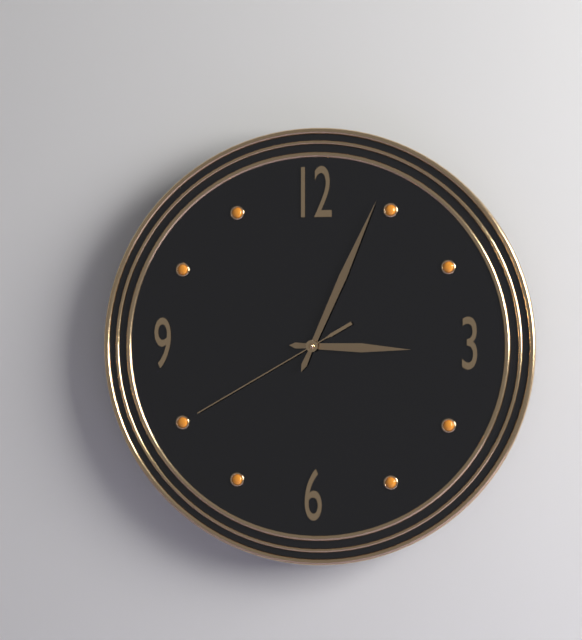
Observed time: 3h04m40s
